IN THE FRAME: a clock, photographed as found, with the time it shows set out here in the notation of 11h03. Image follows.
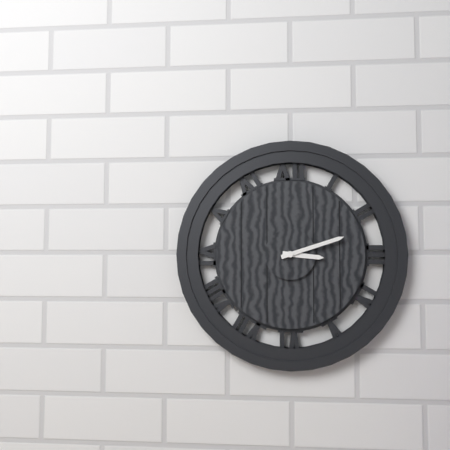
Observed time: 3h12
